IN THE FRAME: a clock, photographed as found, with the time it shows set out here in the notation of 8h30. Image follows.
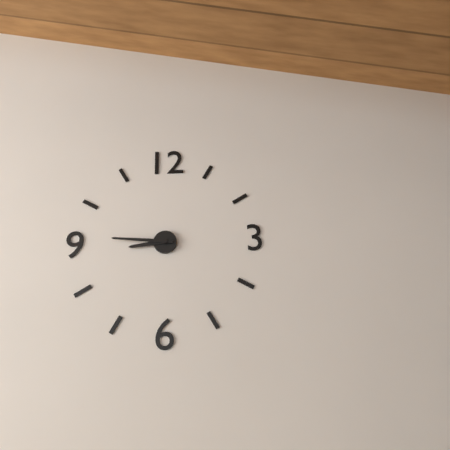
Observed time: 8h46
